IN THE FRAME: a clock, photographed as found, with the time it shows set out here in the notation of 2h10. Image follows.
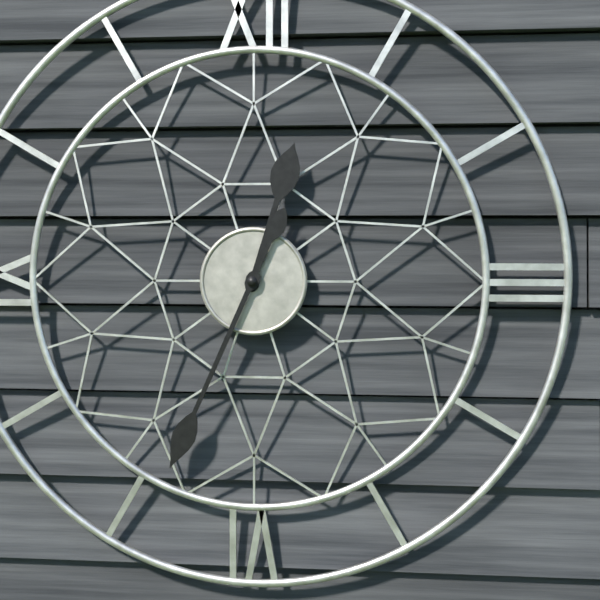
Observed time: 12h34
